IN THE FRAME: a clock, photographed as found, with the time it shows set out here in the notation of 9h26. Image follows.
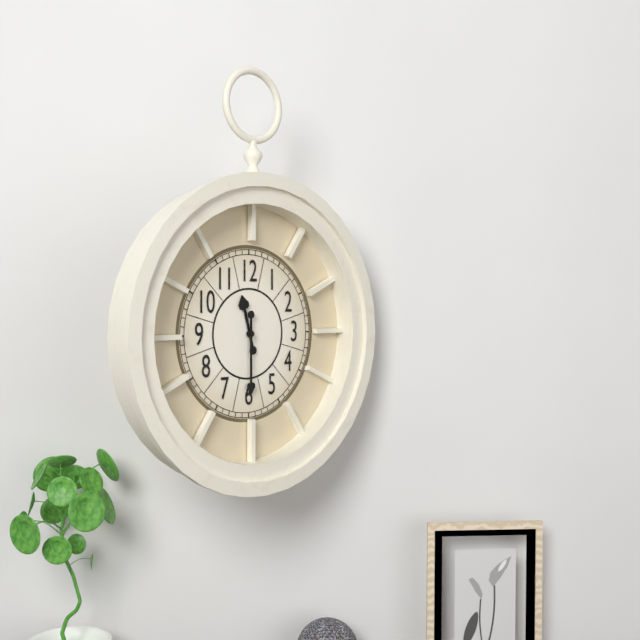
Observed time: 11h30
